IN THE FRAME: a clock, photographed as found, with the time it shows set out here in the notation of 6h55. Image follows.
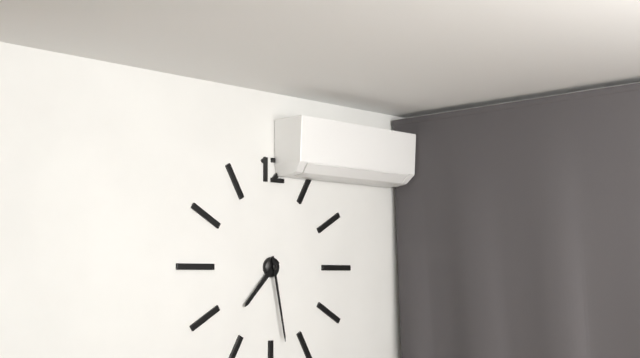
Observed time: 7h28
